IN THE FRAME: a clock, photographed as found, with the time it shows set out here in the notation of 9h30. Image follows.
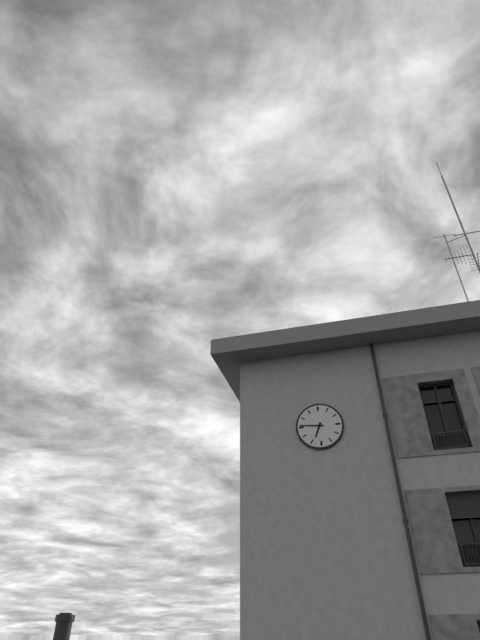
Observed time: 6h46
